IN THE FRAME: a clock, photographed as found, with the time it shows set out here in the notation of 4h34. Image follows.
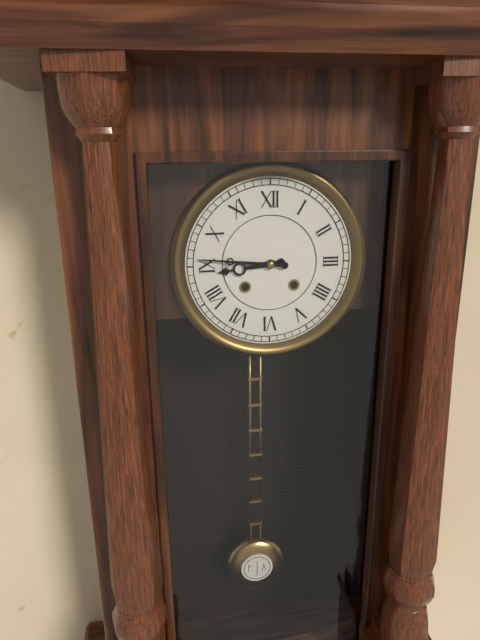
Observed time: 8h46
